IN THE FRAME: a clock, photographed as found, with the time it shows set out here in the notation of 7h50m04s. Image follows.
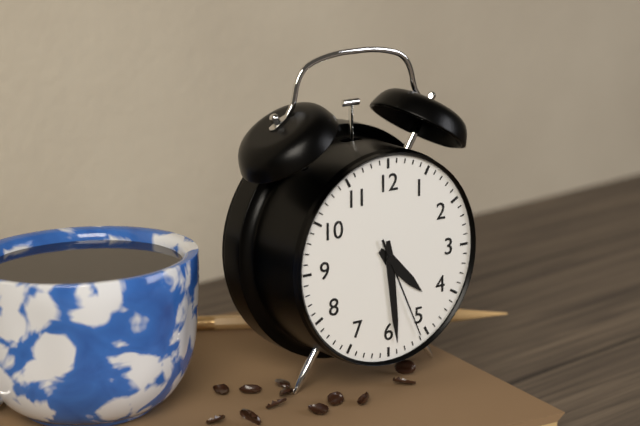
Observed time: 4h29m26s
